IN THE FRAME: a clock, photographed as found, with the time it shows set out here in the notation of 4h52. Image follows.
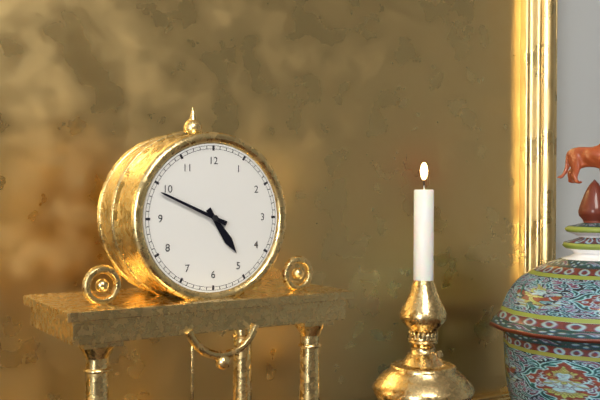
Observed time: 4h49
